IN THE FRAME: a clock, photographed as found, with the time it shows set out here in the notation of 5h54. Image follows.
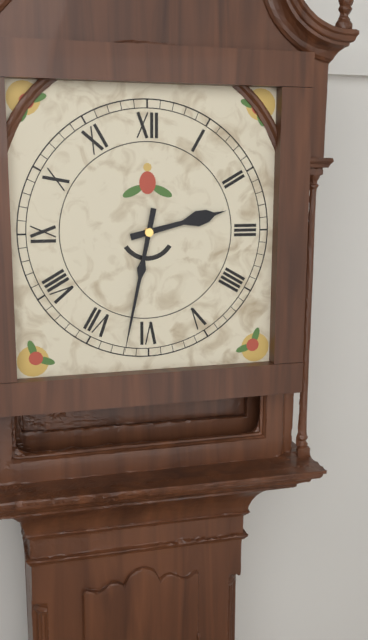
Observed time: 2h32
